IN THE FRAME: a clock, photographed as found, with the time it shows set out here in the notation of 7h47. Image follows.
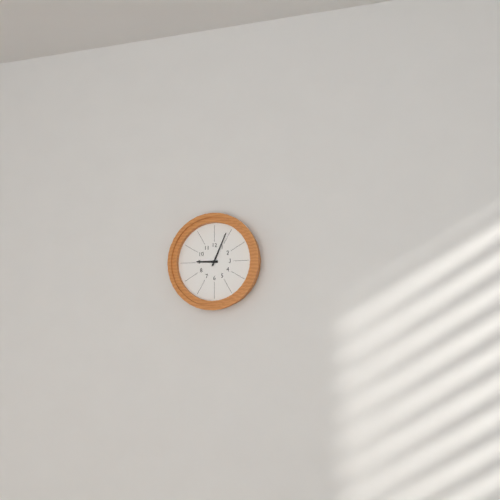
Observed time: 9h04
